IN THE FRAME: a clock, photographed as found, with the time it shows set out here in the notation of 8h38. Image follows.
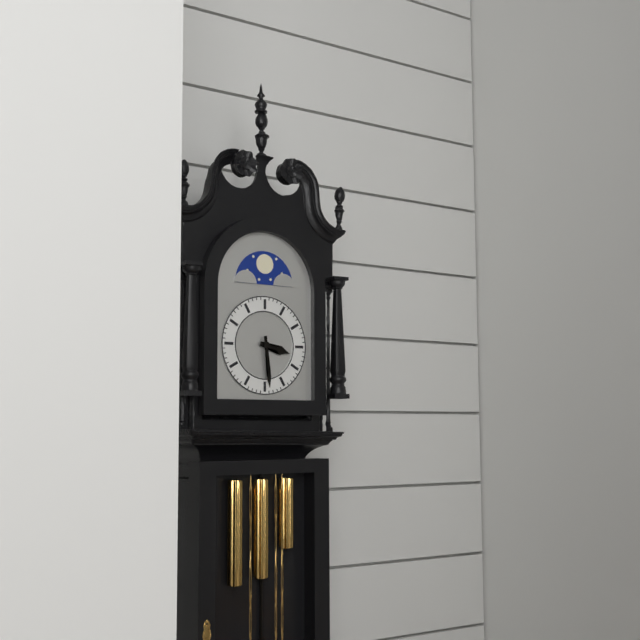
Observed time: 3h29
